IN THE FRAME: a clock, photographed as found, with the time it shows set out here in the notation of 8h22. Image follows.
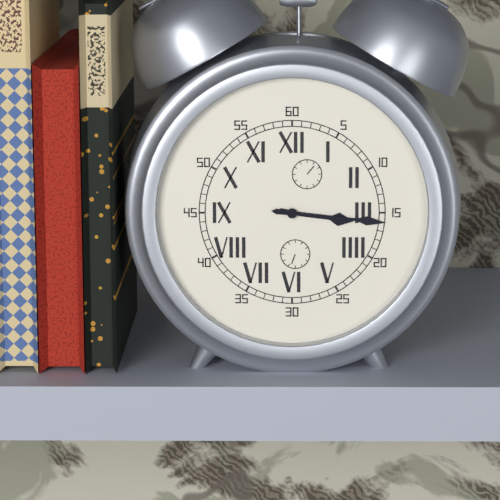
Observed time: 3h16
